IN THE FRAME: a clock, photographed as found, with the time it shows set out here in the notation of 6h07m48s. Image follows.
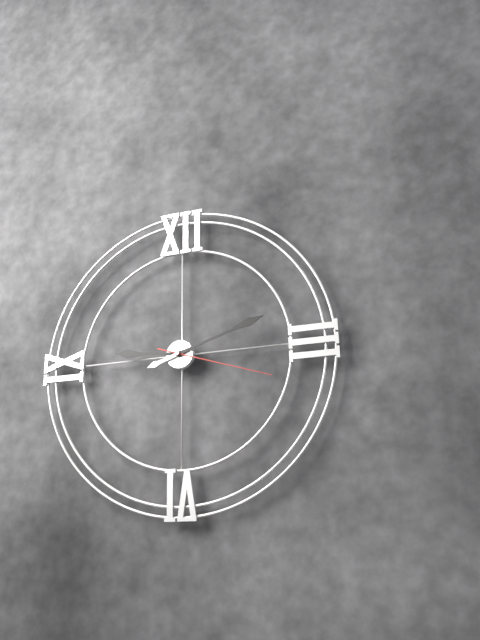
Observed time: 9h12m18s
